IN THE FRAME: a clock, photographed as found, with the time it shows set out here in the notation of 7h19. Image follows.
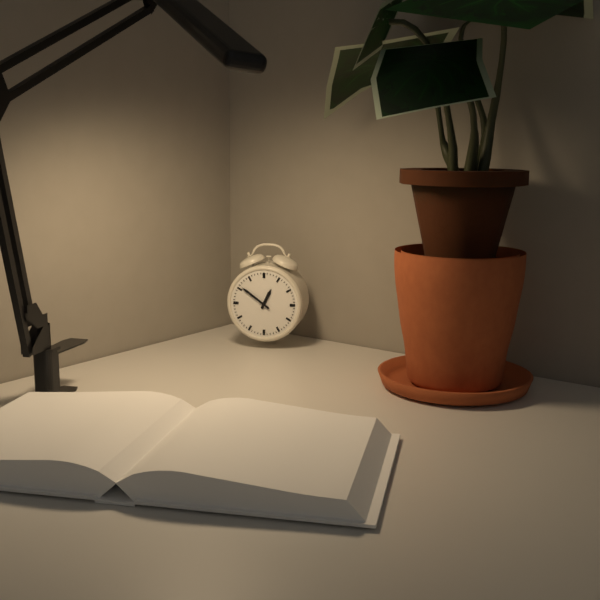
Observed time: 12h51
